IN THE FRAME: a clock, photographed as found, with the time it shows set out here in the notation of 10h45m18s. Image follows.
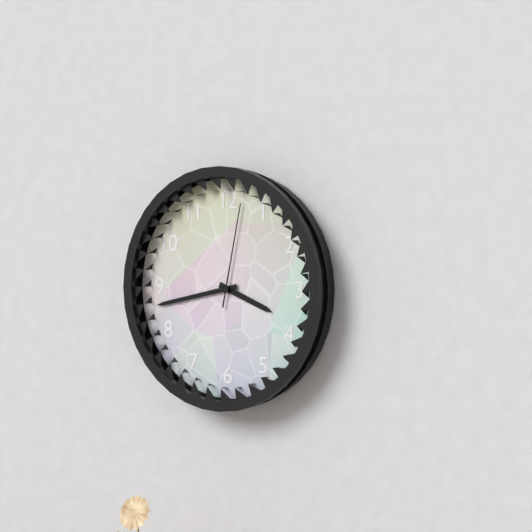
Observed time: 3h43m02s
